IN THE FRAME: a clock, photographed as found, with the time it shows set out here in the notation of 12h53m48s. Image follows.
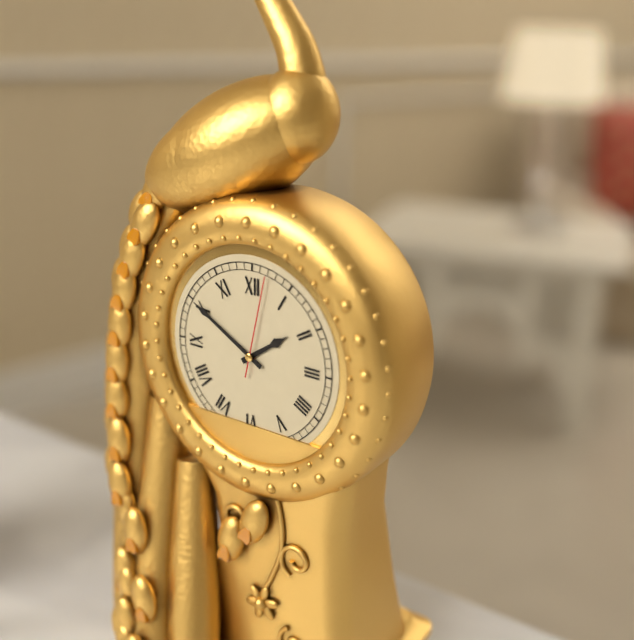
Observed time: 1h50m02s
